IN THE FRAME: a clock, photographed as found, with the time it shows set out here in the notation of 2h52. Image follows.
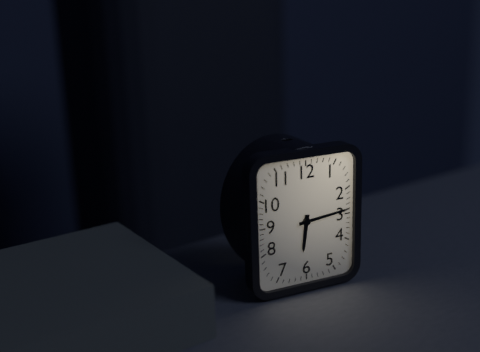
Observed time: 6h14
